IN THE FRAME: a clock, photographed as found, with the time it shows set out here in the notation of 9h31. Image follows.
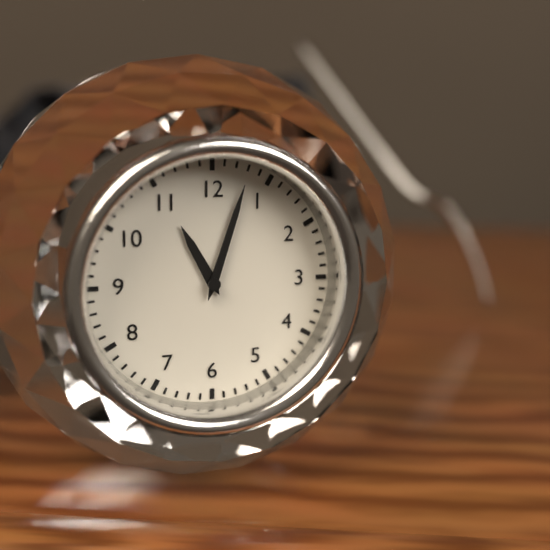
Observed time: 11h03
